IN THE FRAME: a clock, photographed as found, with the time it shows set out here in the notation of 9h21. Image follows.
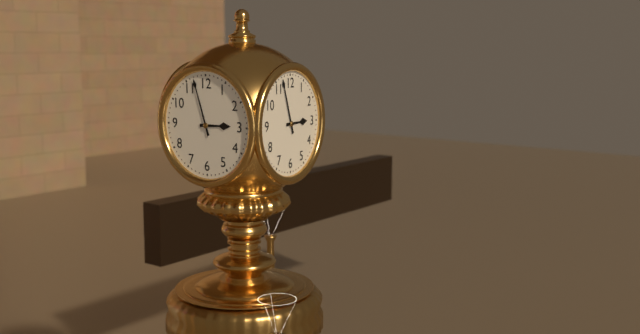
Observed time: 2h57
